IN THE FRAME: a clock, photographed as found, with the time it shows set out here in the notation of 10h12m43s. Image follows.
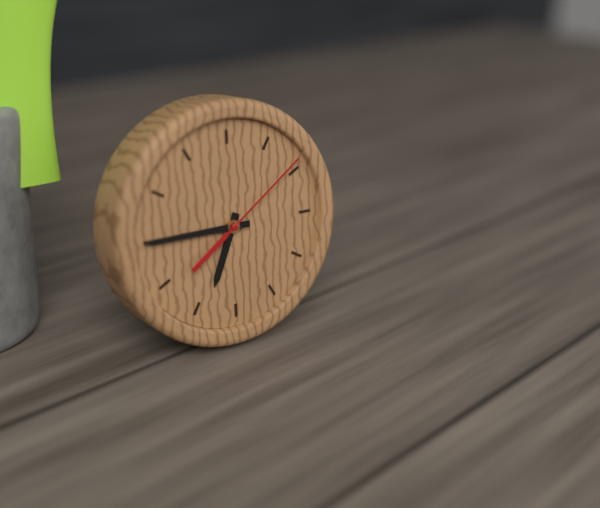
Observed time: 6h45m09s
